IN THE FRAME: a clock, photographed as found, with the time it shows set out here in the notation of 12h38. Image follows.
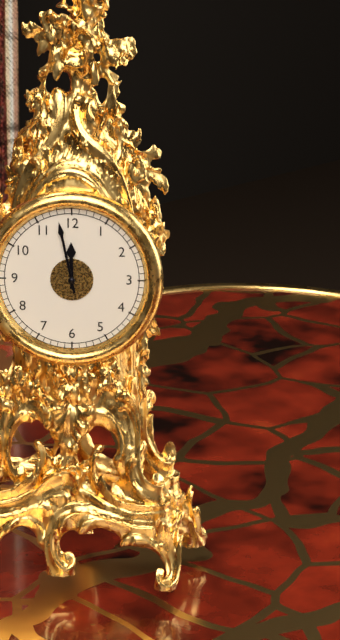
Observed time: 11h58
